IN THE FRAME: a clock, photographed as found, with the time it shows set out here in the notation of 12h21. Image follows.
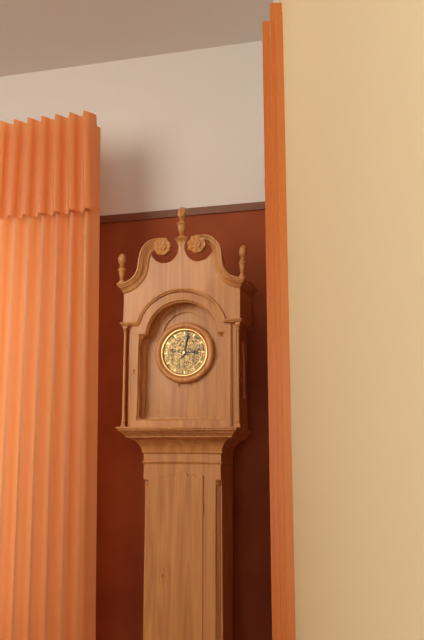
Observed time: 3h02
